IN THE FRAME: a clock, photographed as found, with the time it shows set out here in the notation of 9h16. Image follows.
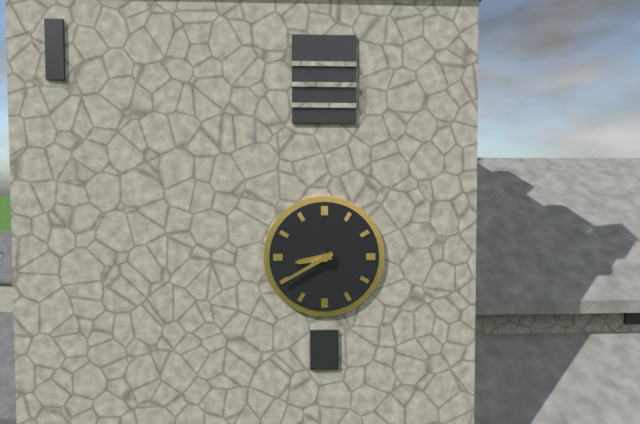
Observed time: 8h40
